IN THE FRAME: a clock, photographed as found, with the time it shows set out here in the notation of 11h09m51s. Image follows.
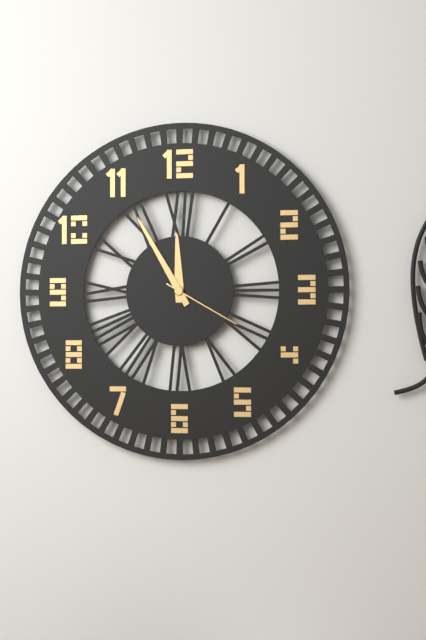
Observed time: 11h55m20s
